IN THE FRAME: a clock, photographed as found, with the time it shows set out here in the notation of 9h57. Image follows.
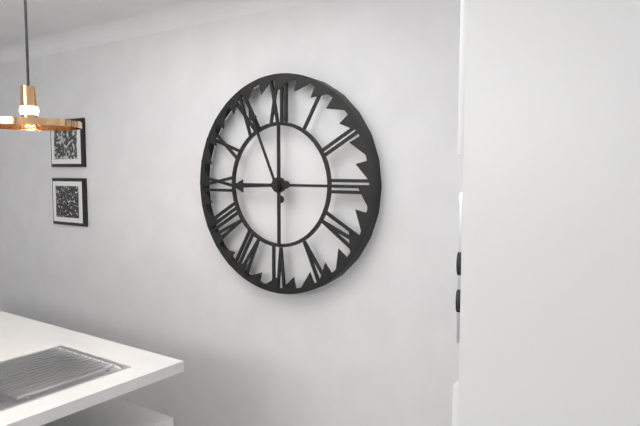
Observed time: 8h56
